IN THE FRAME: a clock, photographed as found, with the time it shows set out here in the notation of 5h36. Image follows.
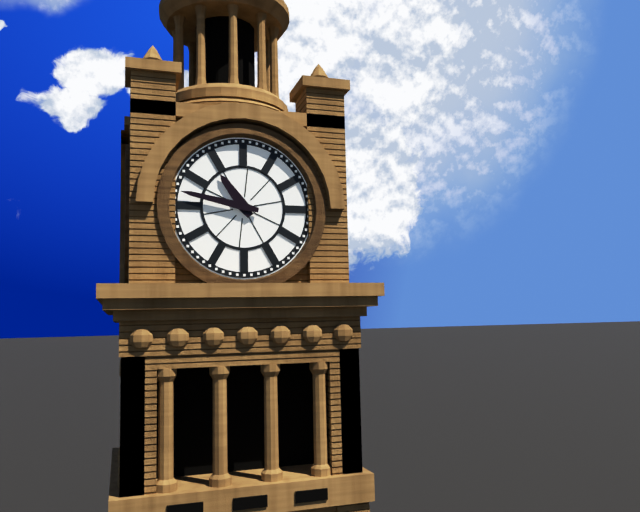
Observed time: 10h47
